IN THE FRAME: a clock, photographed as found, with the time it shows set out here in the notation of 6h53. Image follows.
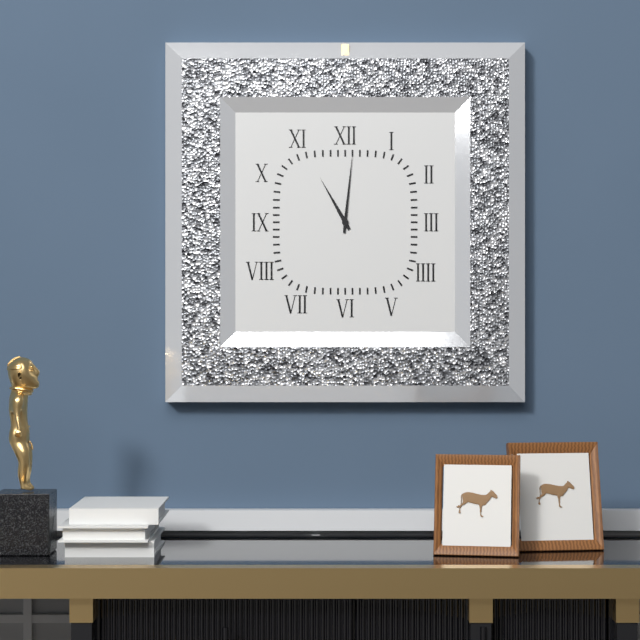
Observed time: 11h01
